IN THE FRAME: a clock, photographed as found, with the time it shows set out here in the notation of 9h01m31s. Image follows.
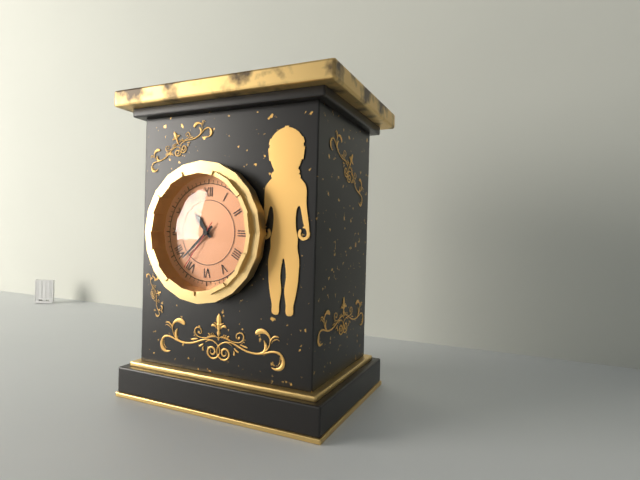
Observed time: 10h38m36s
